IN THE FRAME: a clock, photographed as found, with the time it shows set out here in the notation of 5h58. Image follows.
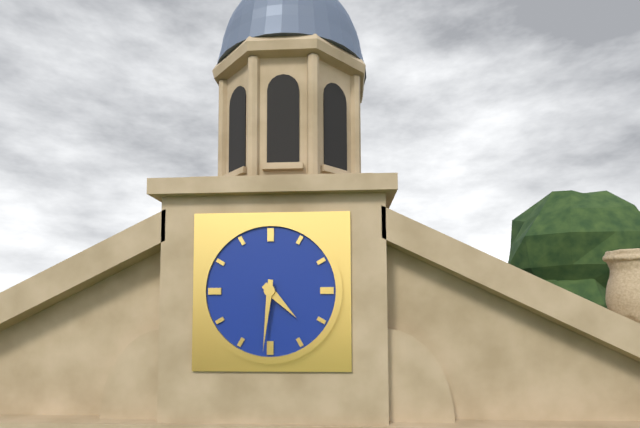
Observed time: 4h31
